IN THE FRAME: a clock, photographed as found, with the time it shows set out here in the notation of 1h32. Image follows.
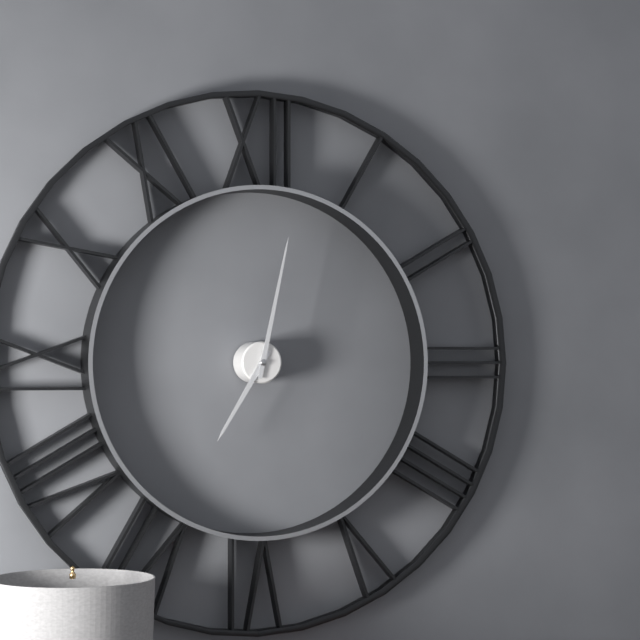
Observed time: 7h02
